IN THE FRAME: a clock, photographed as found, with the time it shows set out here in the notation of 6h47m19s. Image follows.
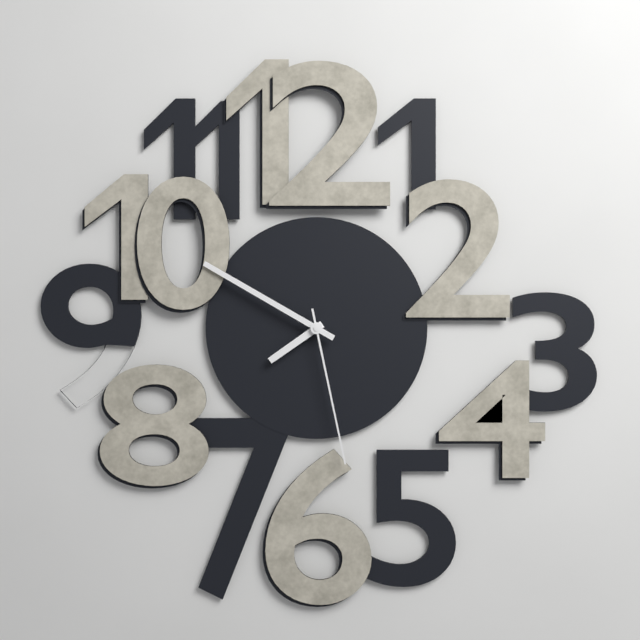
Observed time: 7h50m28s
